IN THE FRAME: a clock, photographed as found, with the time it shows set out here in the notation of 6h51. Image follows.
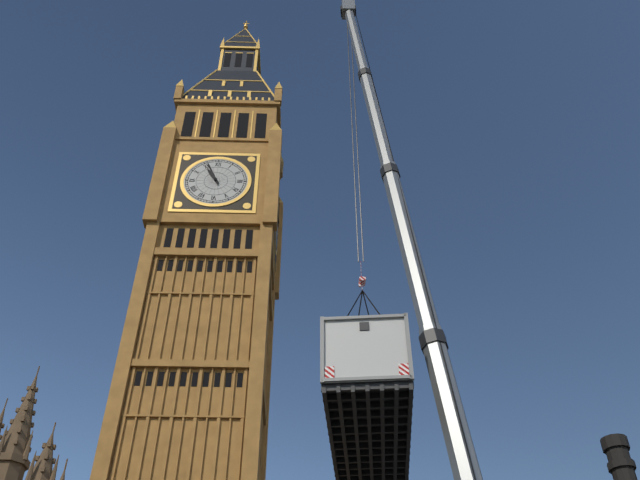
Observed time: 10h56
